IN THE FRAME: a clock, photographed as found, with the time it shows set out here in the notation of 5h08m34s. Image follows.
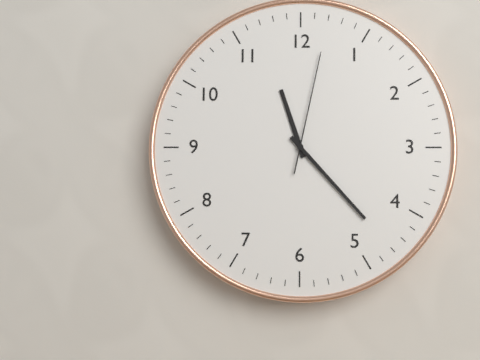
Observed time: 11h23m02s
